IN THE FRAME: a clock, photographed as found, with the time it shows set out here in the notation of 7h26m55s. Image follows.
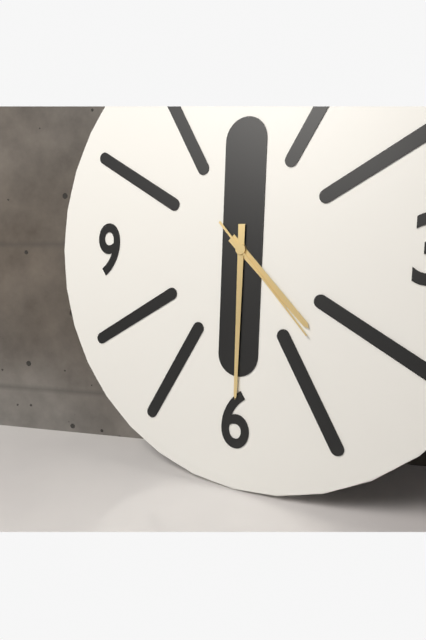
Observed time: 4h30m23s
